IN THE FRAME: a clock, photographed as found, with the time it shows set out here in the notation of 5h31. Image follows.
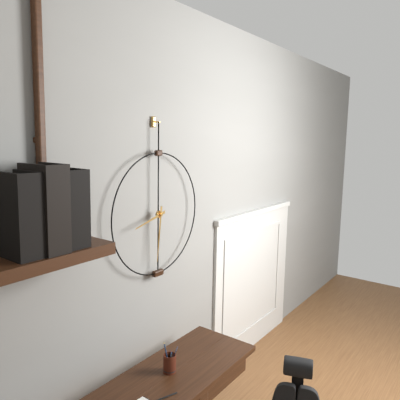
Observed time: 8h31
